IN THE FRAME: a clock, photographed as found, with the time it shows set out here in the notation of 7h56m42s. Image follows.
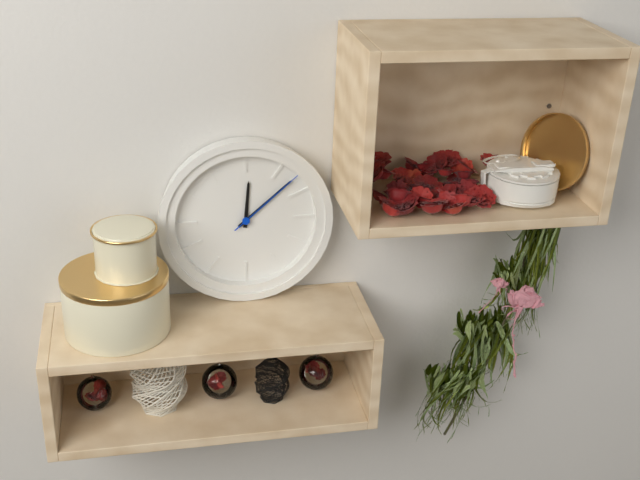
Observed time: 12h08m08s
